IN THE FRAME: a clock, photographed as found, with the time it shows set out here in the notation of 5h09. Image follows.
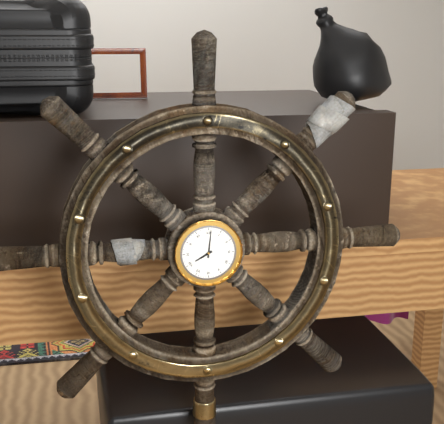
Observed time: 8h01
